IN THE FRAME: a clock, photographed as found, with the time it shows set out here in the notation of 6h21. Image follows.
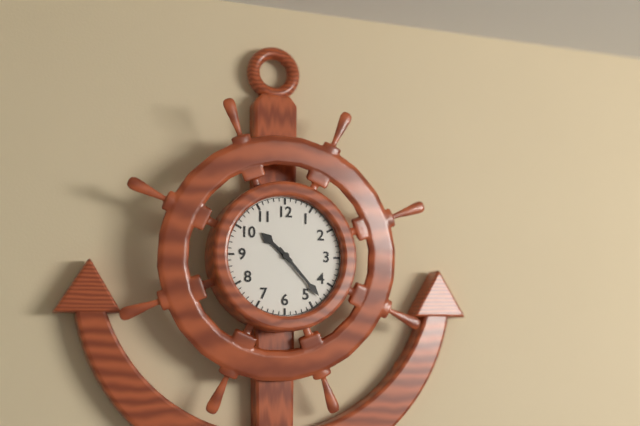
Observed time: 10h23
